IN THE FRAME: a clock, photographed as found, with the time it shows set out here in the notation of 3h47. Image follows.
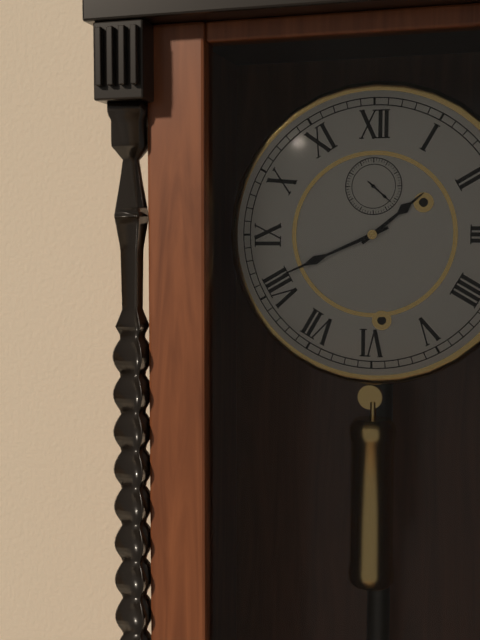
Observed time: 1h41
